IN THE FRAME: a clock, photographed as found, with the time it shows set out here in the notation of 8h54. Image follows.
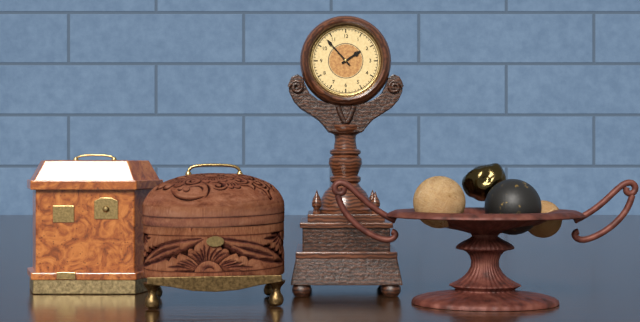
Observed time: 1h53
